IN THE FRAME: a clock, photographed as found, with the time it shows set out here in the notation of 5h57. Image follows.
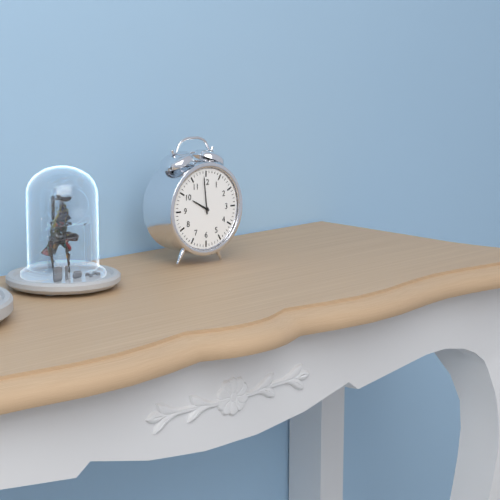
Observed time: 9h59
